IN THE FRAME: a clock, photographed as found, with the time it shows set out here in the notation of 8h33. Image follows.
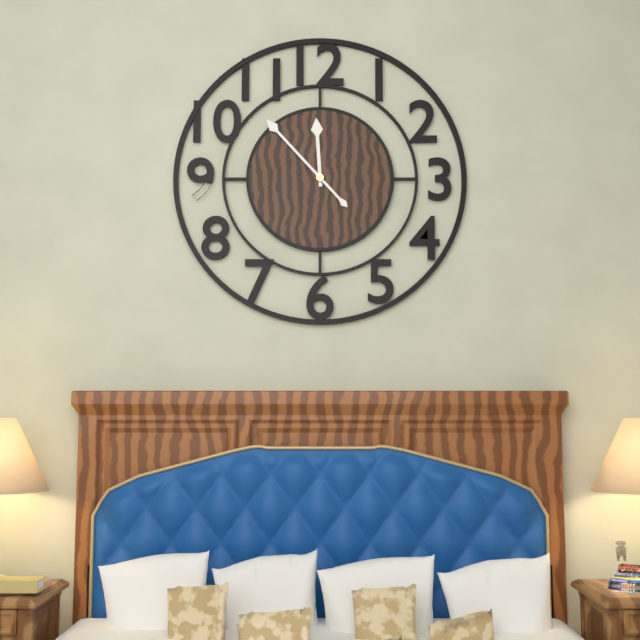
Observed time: 11h53
